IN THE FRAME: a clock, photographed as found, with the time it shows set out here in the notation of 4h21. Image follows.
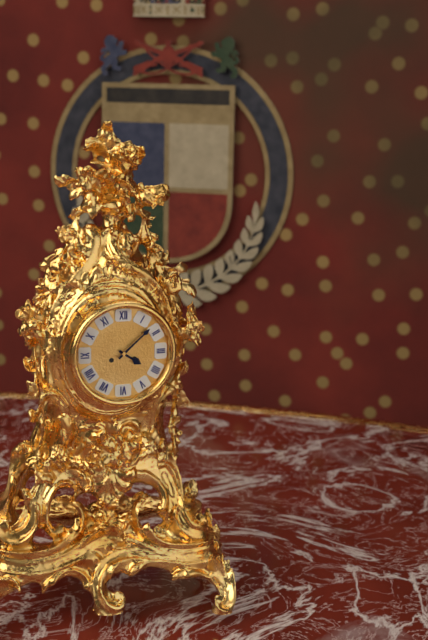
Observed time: 4h08
